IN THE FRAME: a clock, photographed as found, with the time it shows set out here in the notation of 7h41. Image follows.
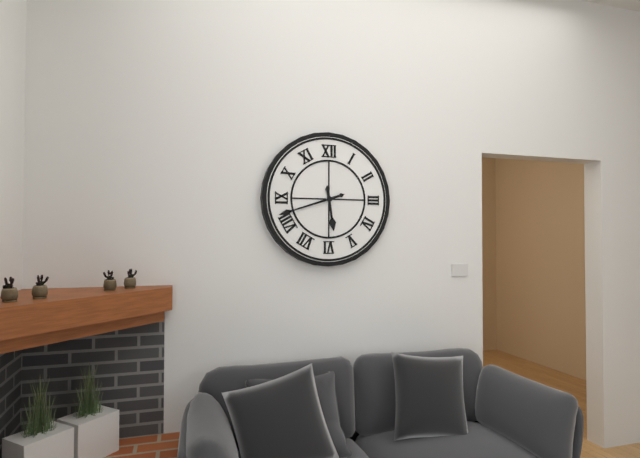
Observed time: 5h42
